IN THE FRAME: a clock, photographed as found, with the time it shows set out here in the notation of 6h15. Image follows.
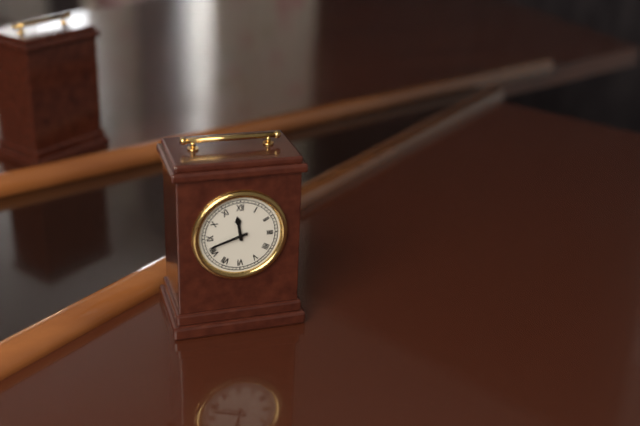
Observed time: 11h42
